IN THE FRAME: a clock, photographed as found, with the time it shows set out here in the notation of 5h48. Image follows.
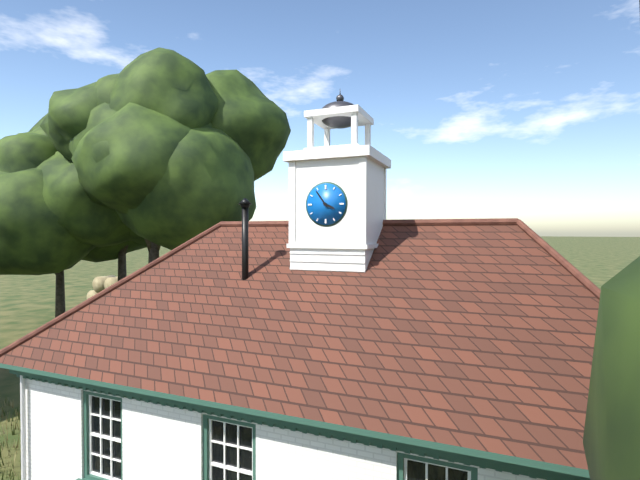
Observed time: 3h54
